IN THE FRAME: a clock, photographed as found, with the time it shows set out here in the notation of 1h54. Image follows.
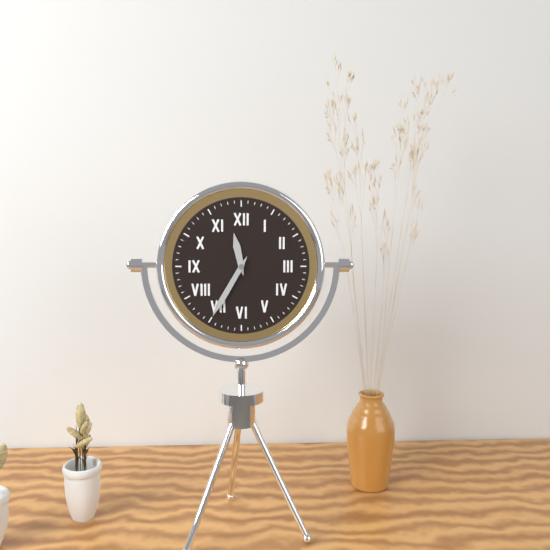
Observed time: 11h35
